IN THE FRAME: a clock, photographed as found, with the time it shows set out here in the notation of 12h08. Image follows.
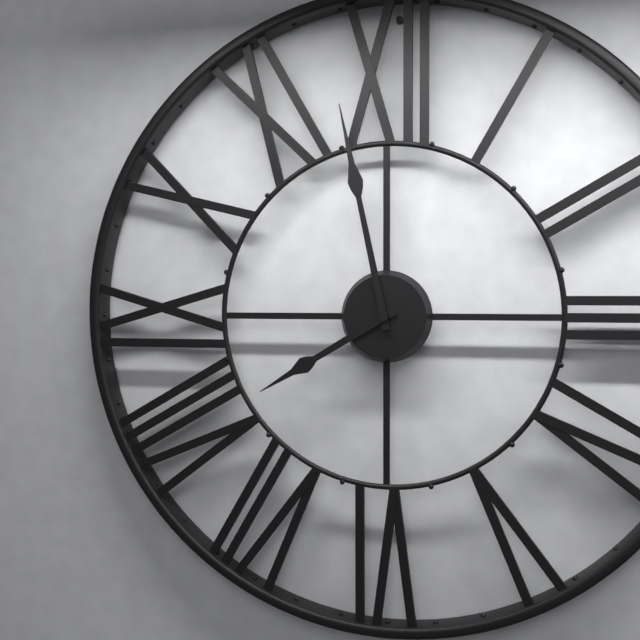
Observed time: 7h58
